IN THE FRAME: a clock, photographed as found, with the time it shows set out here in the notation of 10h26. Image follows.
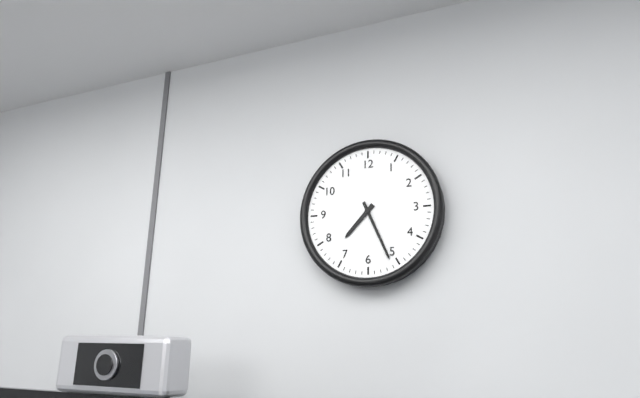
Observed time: 7h26
